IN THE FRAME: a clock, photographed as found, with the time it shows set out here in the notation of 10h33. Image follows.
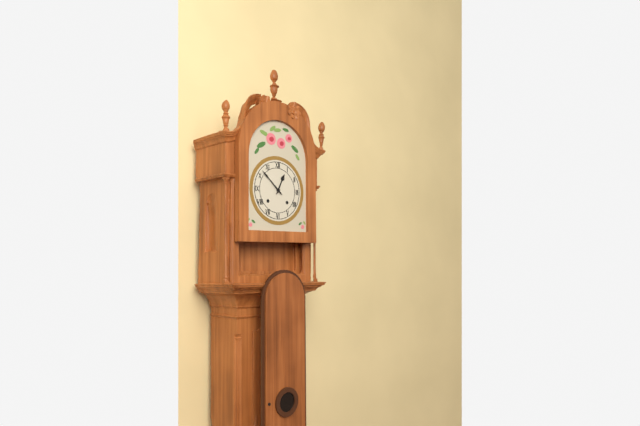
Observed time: 12h52
